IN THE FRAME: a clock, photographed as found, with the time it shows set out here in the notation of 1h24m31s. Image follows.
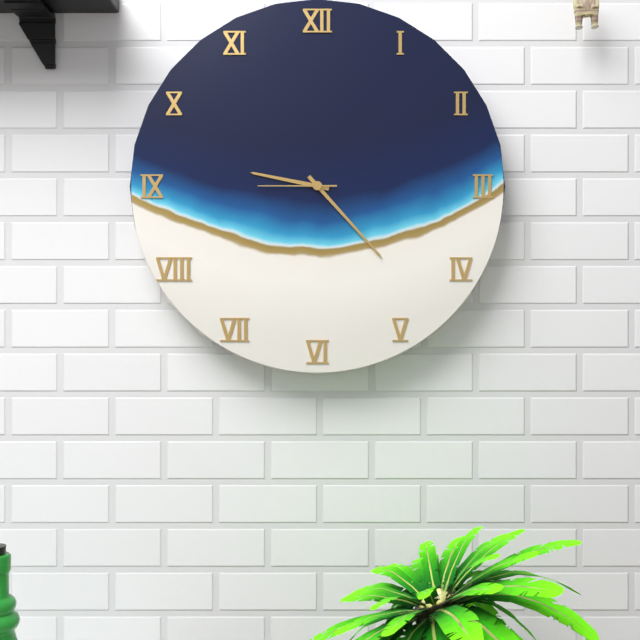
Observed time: 9h23m45s
